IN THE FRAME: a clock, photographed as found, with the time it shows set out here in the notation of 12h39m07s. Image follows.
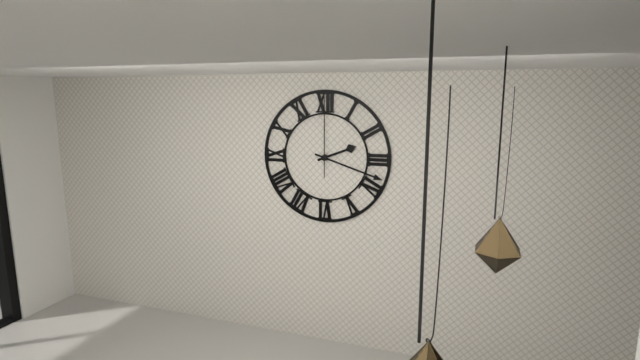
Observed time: 2h18m00s
